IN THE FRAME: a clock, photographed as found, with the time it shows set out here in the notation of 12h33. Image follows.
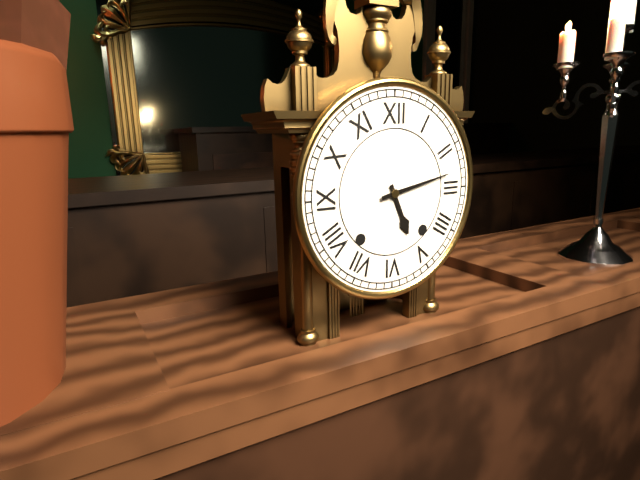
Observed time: 5h13
